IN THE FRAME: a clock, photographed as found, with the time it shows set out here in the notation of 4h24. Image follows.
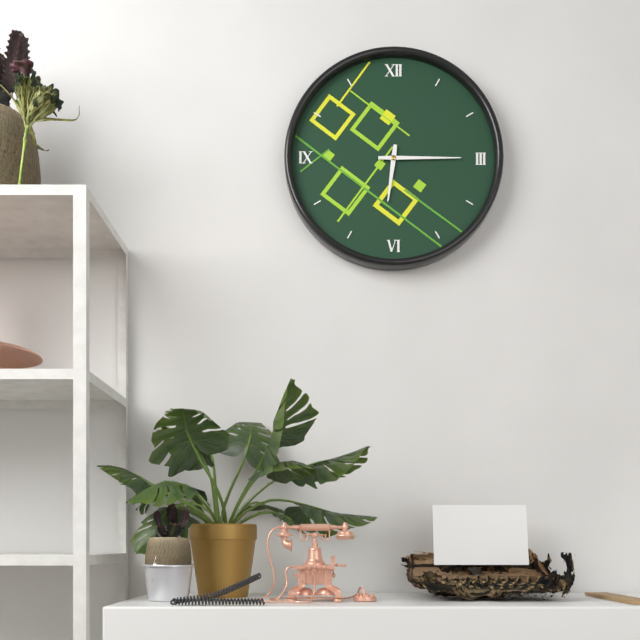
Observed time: 6h15
